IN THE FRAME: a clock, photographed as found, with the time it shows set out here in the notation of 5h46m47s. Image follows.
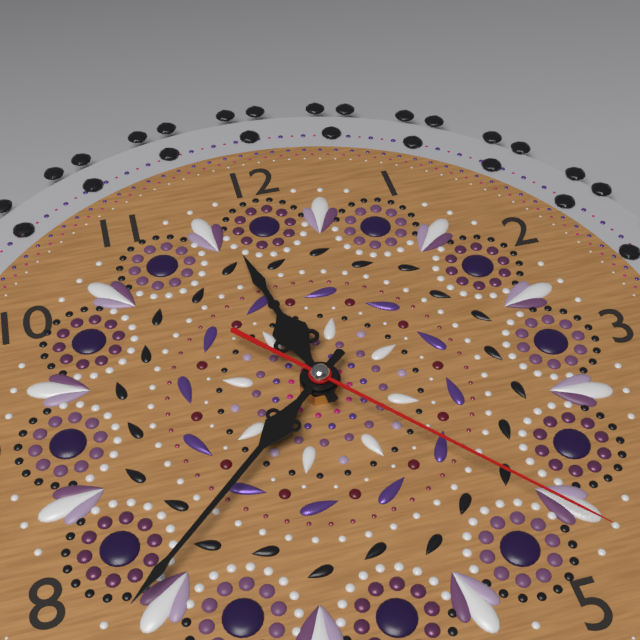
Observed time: 11h38m23s
